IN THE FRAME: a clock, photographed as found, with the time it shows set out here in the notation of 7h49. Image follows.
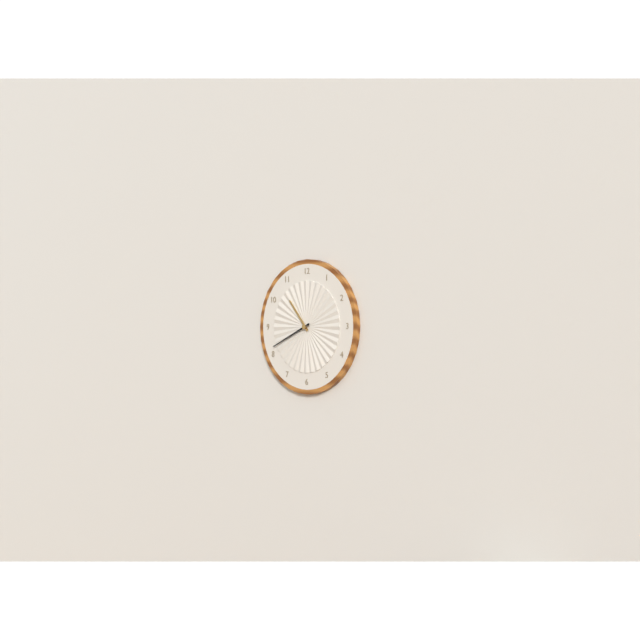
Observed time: 10h41
